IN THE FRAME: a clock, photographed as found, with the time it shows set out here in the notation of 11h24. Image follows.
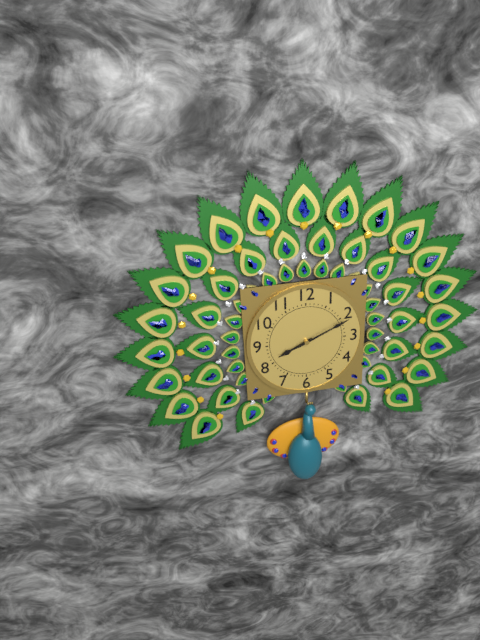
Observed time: 8h11
